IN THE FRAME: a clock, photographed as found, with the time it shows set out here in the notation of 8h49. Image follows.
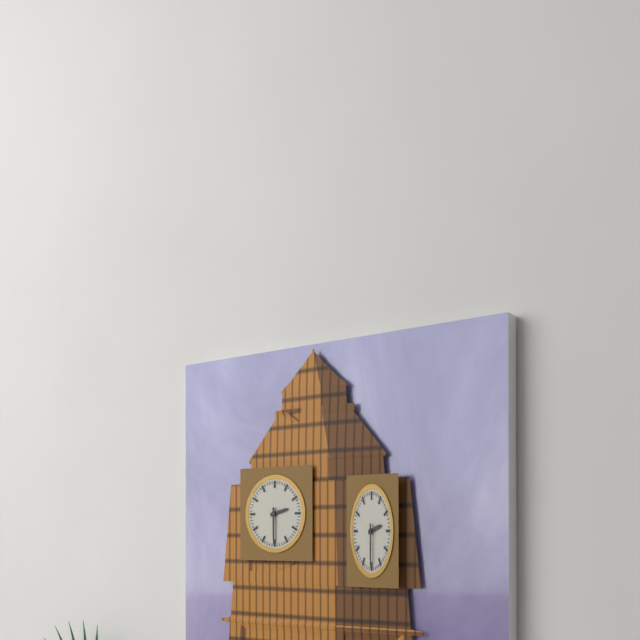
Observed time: 2h30
